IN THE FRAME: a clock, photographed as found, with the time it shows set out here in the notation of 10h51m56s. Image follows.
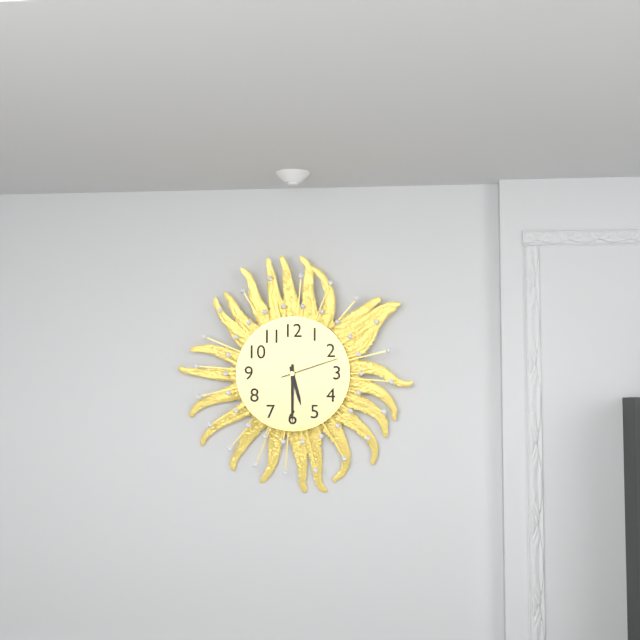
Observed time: 5h30m12s
